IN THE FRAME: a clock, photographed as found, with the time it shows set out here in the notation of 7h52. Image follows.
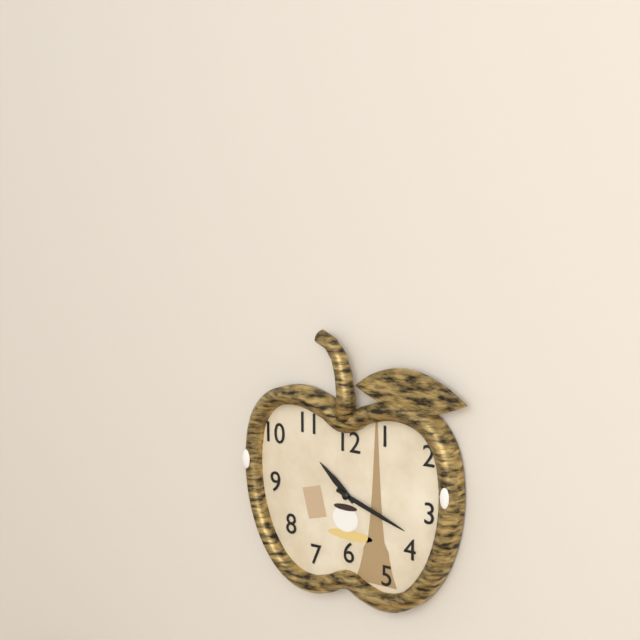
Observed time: 10h18
